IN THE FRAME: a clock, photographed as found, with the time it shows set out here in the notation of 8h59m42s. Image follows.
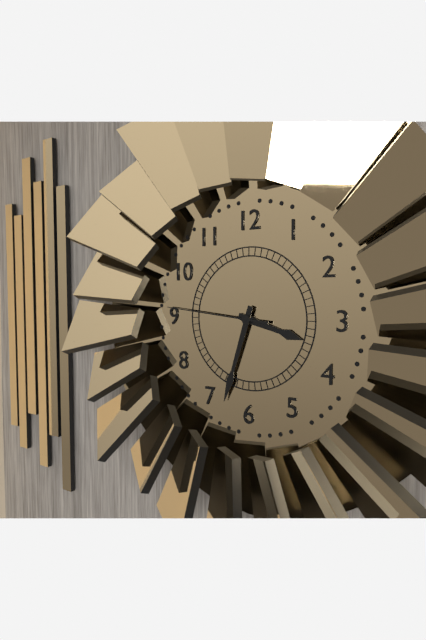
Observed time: 3h33m46s
